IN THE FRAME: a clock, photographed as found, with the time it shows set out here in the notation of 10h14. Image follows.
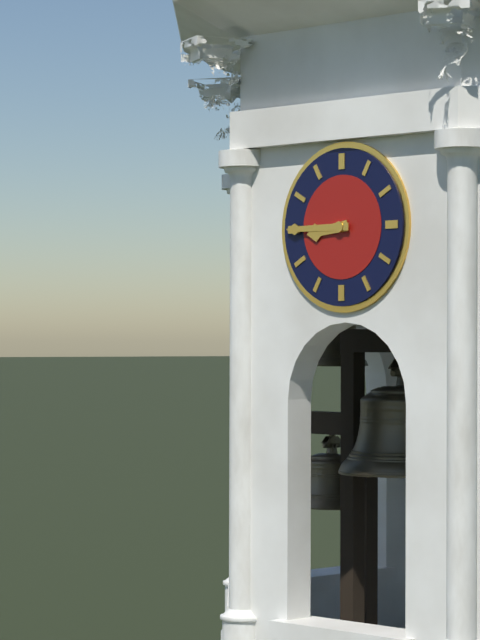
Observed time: 8h45
